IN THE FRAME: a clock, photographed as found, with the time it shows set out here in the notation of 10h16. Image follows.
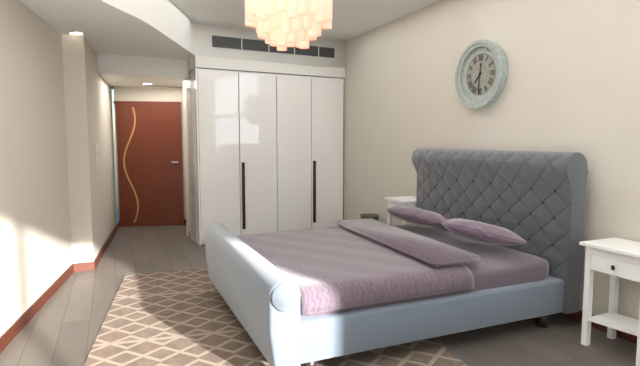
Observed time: 7h31
